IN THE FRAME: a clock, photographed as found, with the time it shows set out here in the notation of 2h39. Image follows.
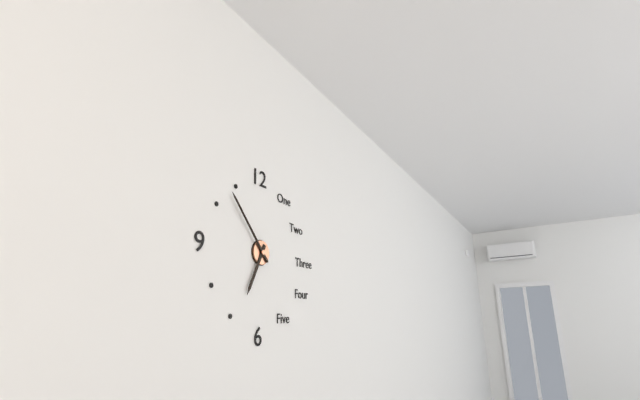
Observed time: 6h53
